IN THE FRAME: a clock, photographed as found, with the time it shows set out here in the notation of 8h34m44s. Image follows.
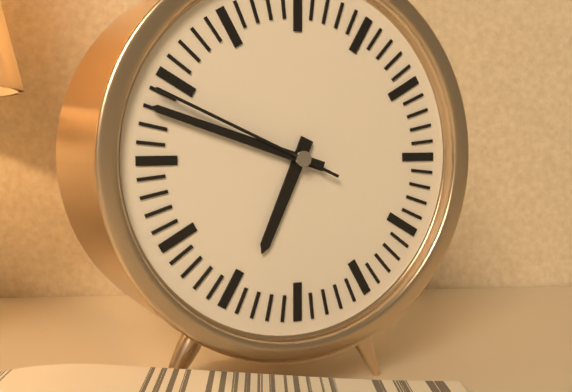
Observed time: 6h48m49s
